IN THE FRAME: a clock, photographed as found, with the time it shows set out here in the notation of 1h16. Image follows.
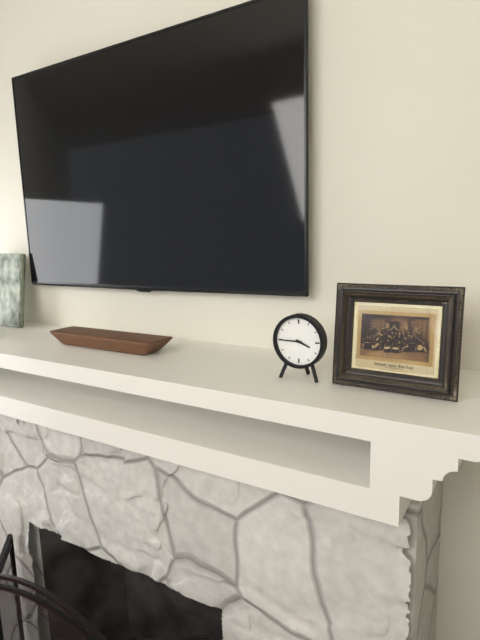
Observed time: 3h45
